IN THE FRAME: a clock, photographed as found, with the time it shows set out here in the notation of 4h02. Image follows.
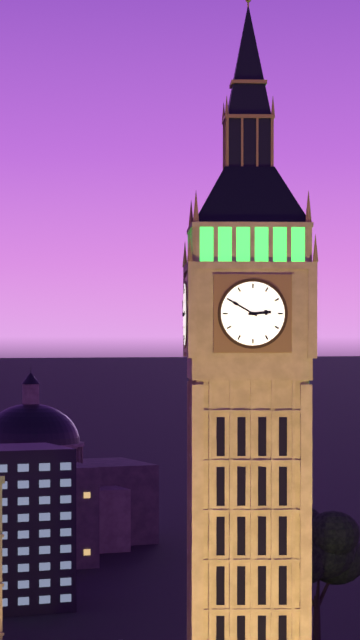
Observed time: 2h50
